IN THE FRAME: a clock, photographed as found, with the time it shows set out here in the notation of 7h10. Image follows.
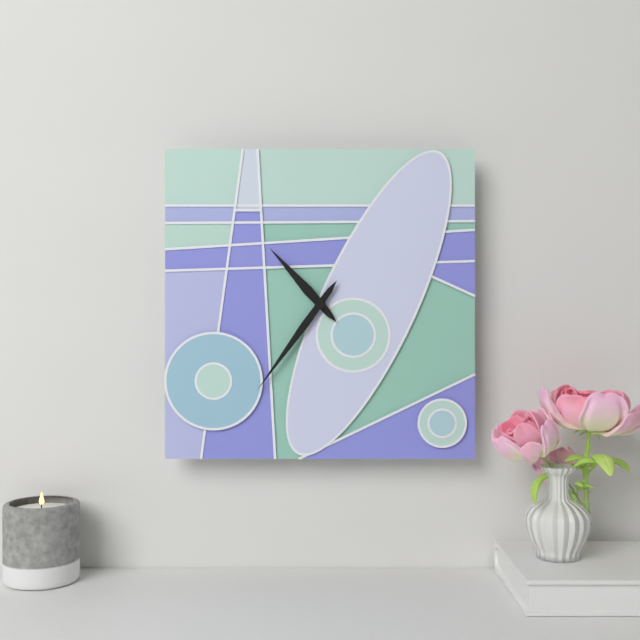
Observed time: 10h36
